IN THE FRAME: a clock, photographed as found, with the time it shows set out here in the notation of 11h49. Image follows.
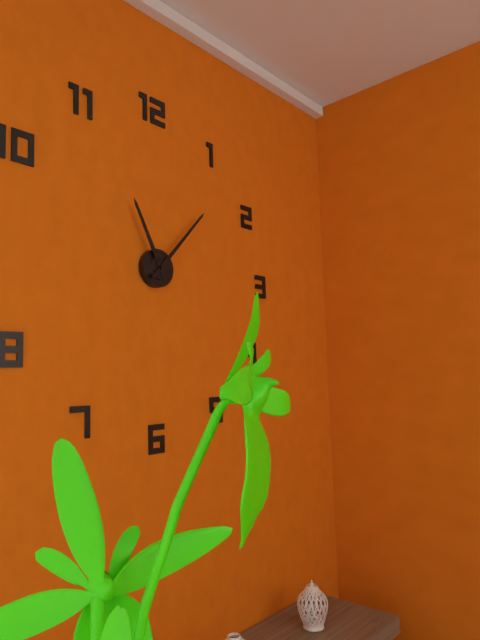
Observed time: 11h07
